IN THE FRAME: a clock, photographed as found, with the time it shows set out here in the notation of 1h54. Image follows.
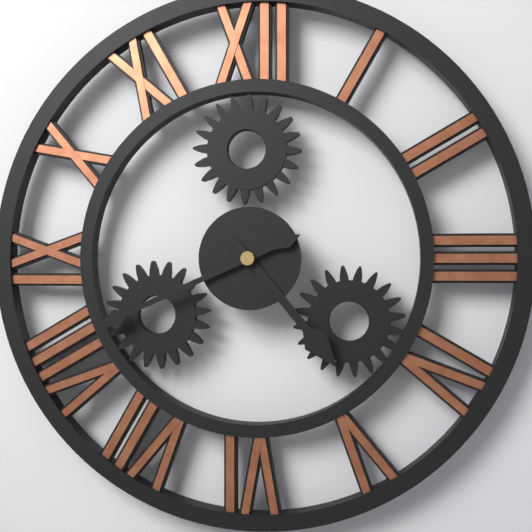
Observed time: 4h41
